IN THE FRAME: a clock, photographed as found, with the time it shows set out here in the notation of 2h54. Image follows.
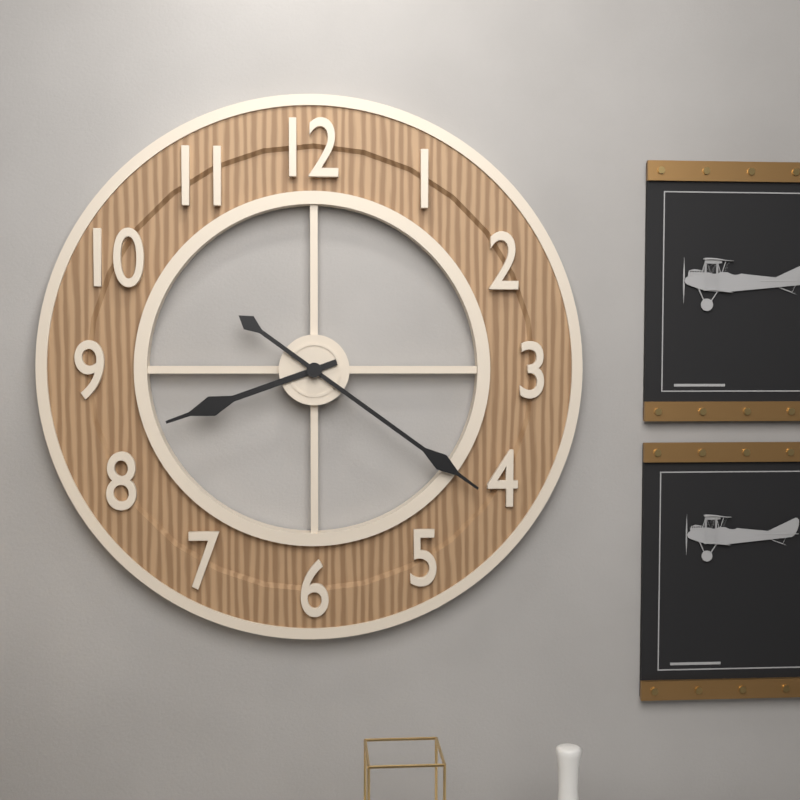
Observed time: 8h21
